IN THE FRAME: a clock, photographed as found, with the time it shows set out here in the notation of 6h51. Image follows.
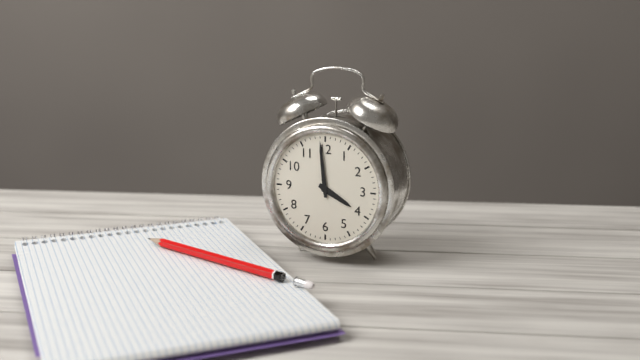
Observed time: 3h59
